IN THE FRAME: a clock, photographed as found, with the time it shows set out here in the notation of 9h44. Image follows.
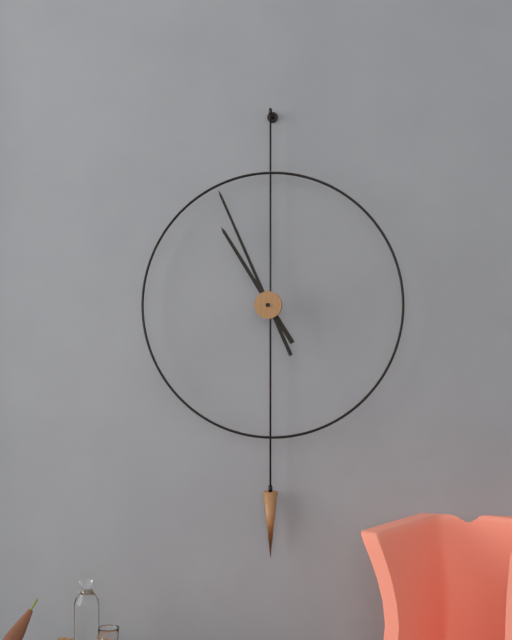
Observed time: 10h56
